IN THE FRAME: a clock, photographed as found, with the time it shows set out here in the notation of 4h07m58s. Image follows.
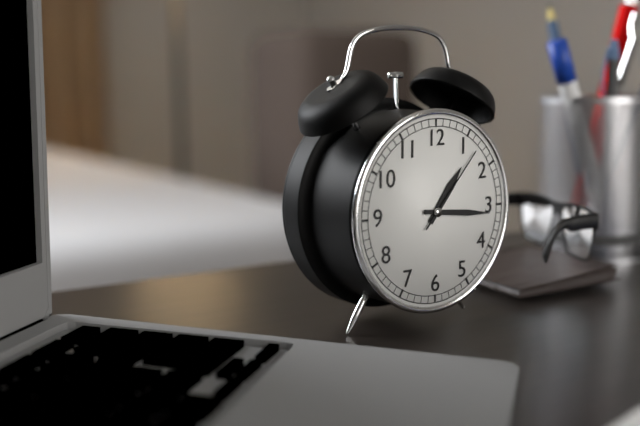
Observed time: 1h16m07s
